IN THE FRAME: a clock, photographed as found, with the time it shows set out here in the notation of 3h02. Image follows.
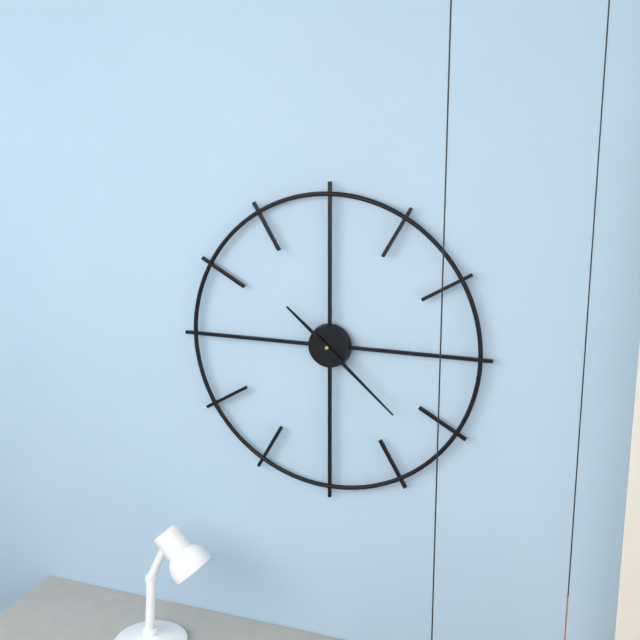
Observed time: 10h22
